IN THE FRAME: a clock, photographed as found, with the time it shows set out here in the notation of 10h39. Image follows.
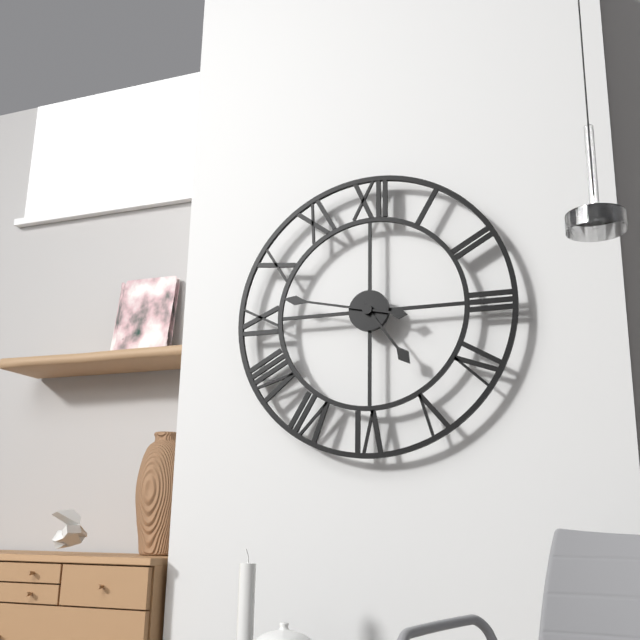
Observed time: 4h47
